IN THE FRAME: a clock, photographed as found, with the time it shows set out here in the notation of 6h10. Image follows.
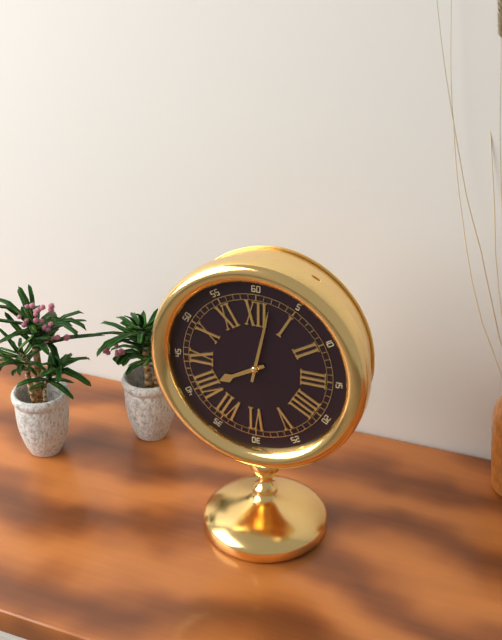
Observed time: 8h02
